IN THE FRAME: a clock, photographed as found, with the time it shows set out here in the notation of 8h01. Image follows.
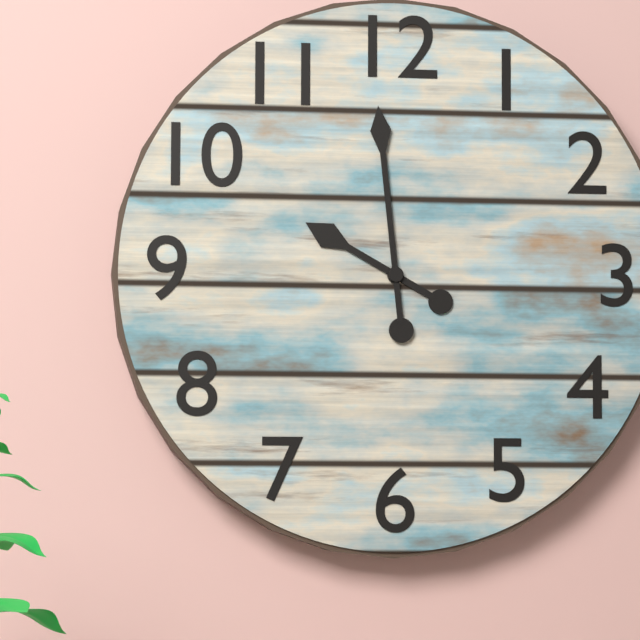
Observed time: 9h59
